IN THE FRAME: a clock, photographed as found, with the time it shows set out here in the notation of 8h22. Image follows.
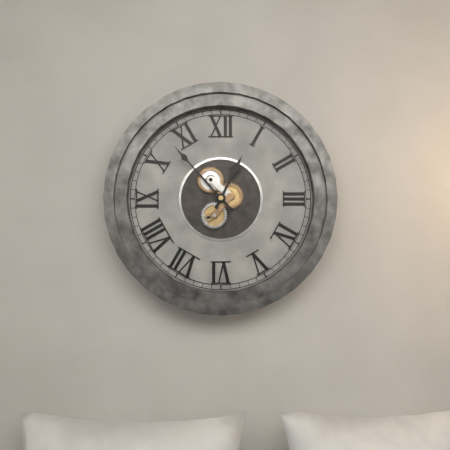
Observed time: 12h53
